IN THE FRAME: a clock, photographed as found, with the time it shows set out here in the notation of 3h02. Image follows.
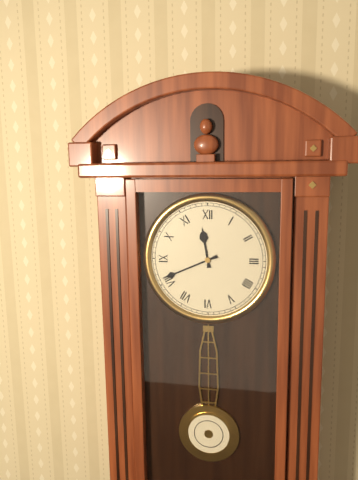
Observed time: 11h41
